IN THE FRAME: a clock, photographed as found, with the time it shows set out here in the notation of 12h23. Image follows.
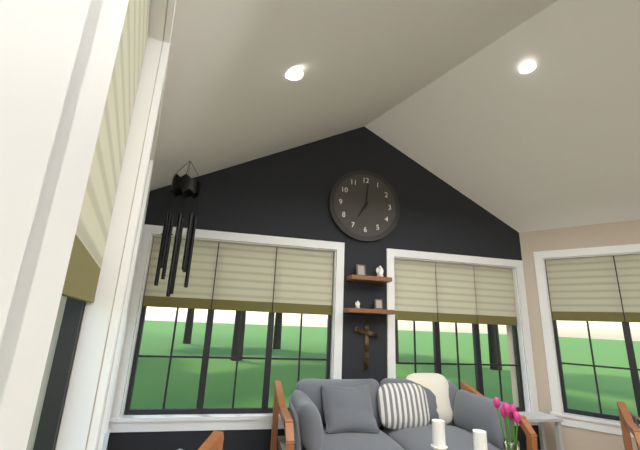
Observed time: 7h01
